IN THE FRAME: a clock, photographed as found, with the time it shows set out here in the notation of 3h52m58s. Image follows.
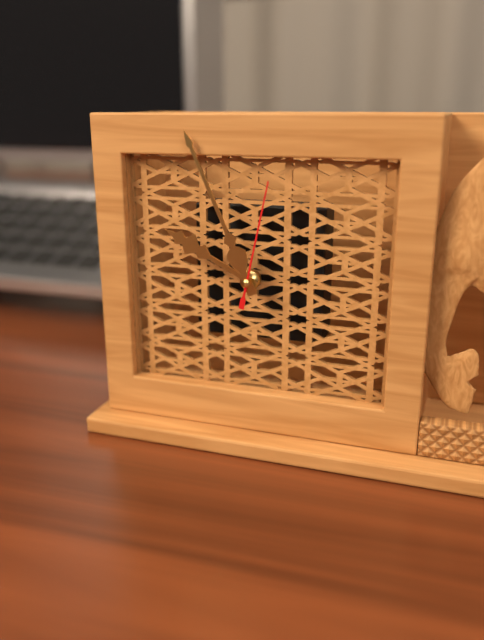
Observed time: 9h56m02s
